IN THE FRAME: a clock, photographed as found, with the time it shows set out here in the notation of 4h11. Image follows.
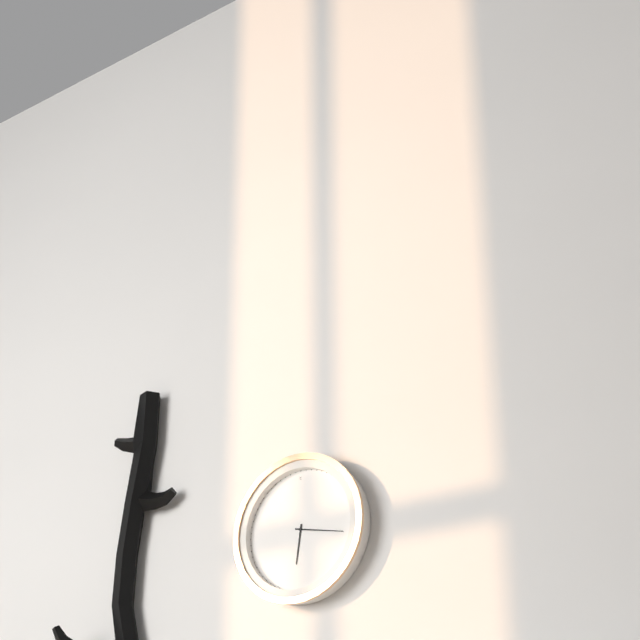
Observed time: 6h17
